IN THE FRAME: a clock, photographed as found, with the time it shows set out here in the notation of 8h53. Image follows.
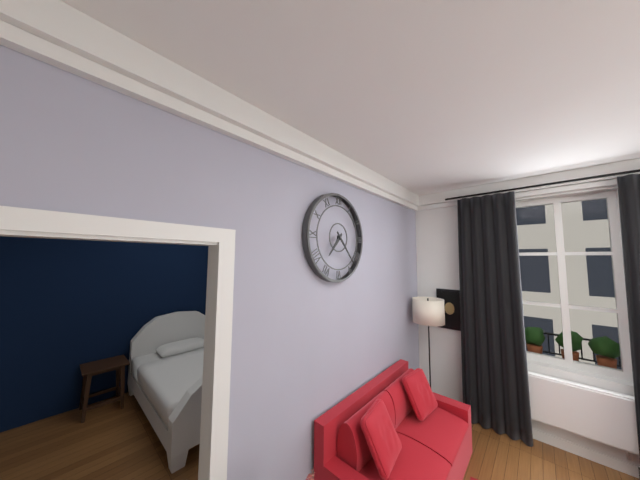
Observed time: 7h23
